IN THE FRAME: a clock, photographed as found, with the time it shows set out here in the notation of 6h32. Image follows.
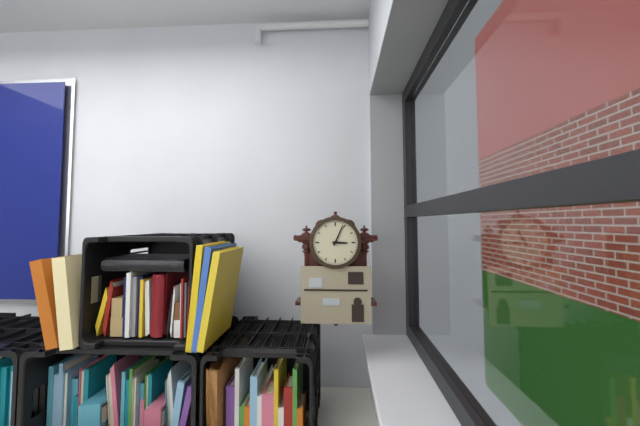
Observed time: 3h04
